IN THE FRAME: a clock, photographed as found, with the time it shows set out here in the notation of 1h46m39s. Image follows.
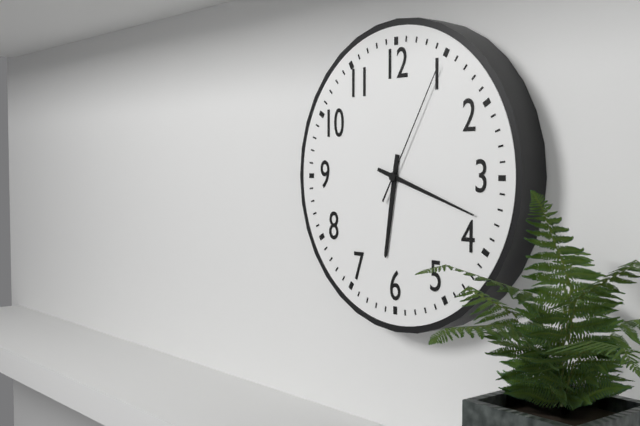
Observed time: 6h18m05s
